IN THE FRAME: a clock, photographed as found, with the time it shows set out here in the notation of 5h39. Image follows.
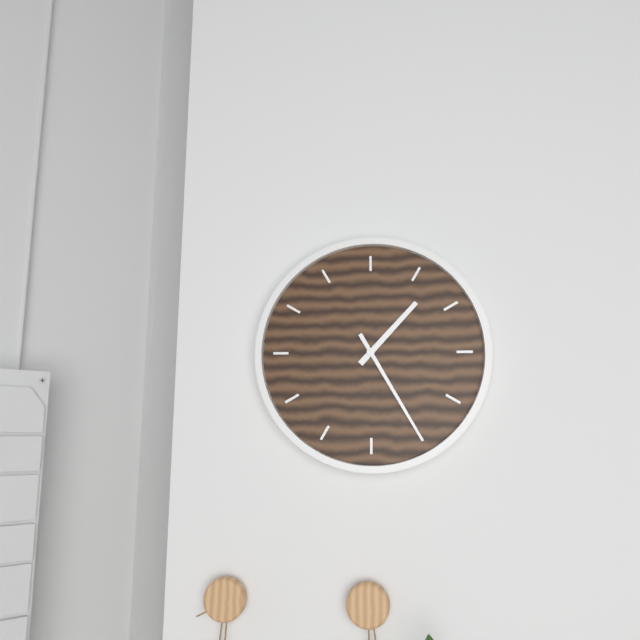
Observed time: 1h25
